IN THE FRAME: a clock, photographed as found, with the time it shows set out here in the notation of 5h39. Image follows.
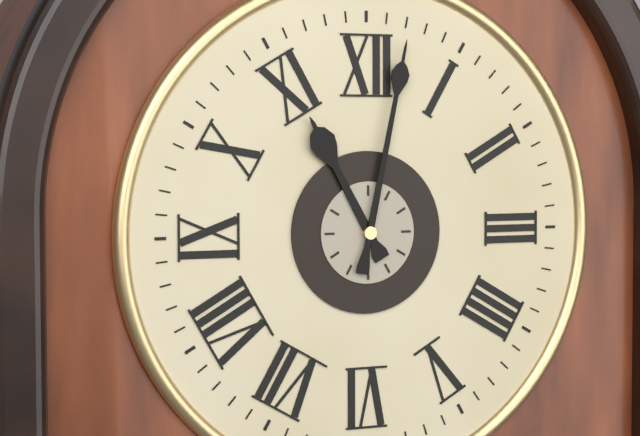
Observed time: 11h02
